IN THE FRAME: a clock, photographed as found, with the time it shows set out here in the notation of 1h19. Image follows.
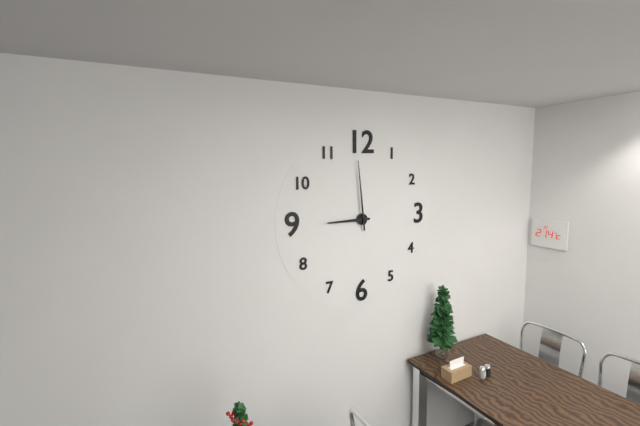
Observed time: 8h59
